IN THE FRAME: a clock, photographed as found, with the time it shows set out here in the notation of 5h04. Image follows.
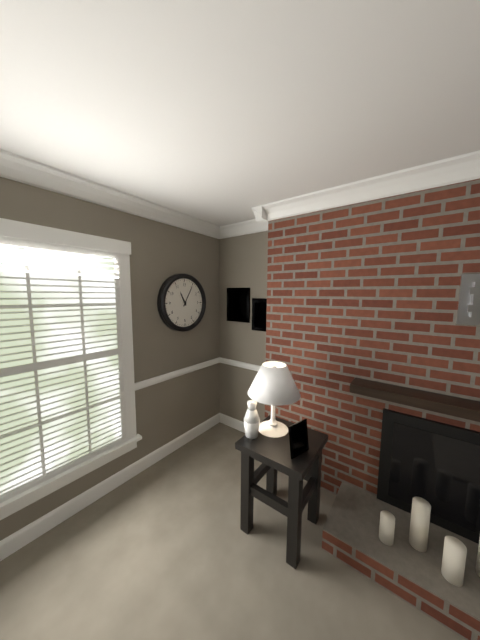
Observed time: 11h05
